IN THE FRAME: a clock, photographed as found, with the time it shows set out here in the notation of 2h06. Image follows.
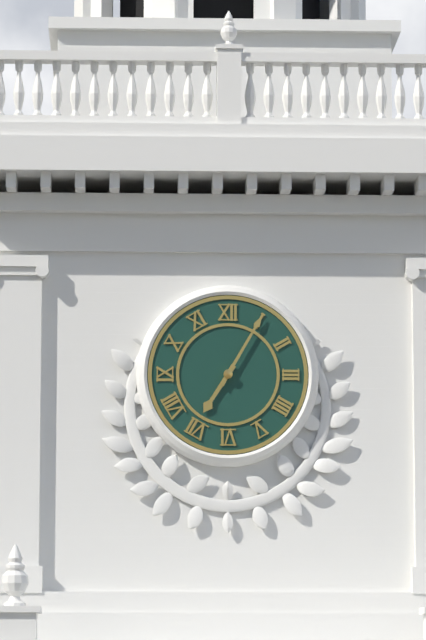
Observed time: 7h05
